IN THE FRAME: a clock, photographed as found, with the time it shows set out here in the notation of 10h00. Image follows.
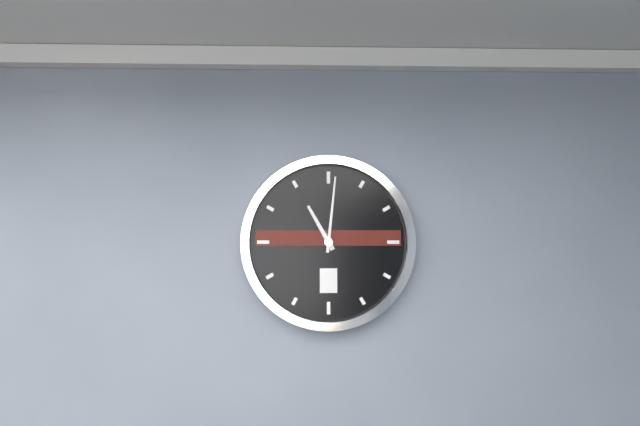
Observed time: 11h01
